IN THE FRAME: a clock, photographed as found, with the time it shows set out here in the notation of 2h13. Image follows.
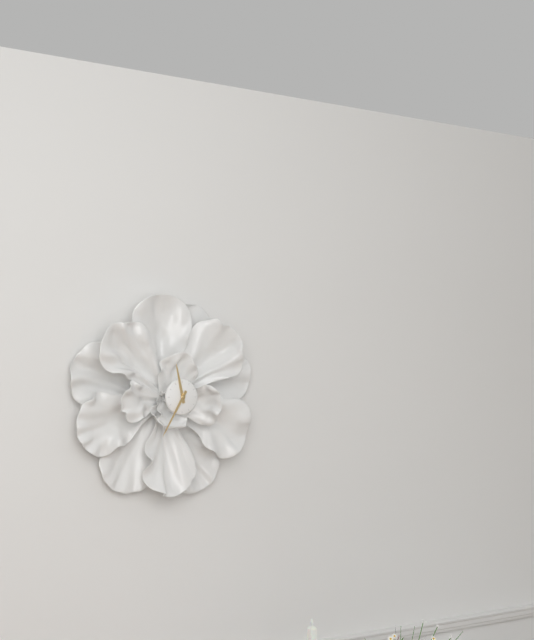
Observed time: 11h35
